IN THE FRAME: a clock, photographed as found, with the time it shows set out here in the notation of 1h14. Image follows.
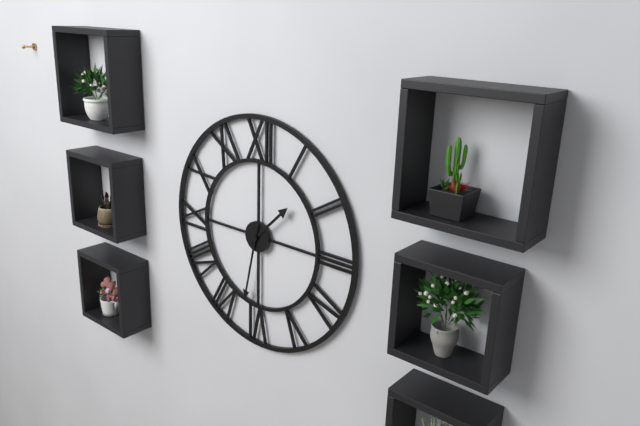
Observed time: 1h32
